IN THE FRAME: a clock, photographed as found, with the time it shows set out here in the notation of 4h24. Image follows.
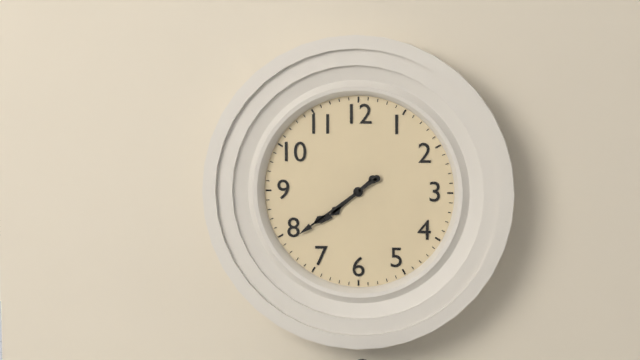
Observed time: 7h39
